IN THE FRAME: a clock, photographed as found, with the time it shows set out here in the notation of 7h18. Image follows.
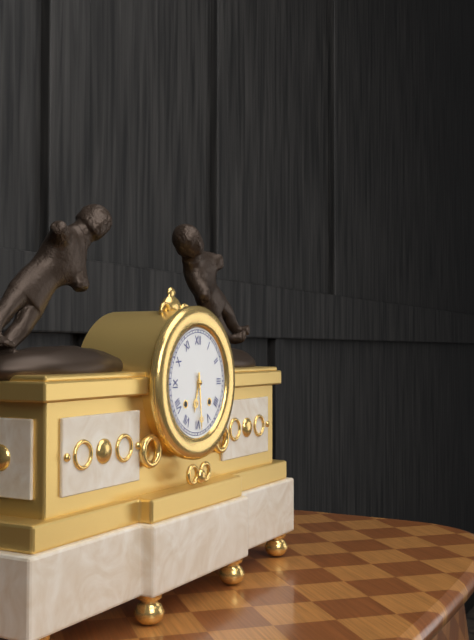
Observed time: 6h29
